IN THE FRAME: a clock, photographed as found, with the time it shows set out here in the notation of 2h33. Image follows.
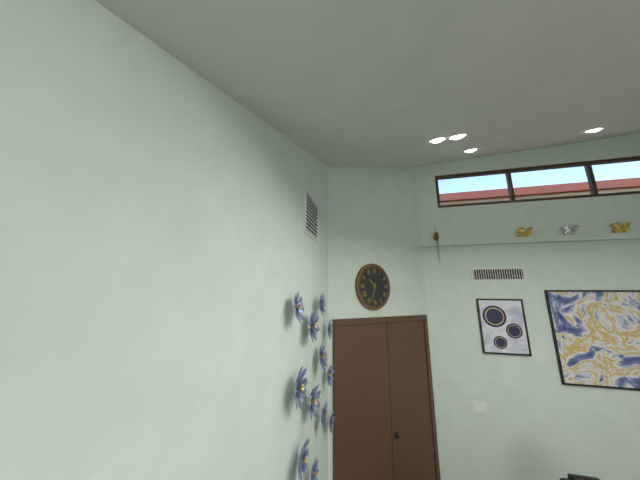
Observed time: 10h33
